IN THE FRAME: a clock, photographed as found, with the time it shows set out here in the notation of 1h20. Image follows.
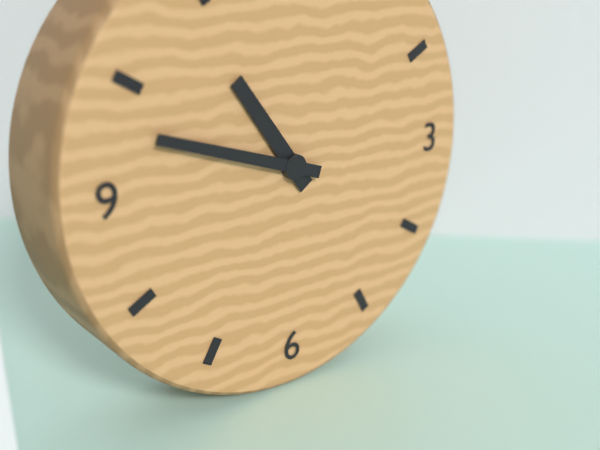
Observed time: 10h48
